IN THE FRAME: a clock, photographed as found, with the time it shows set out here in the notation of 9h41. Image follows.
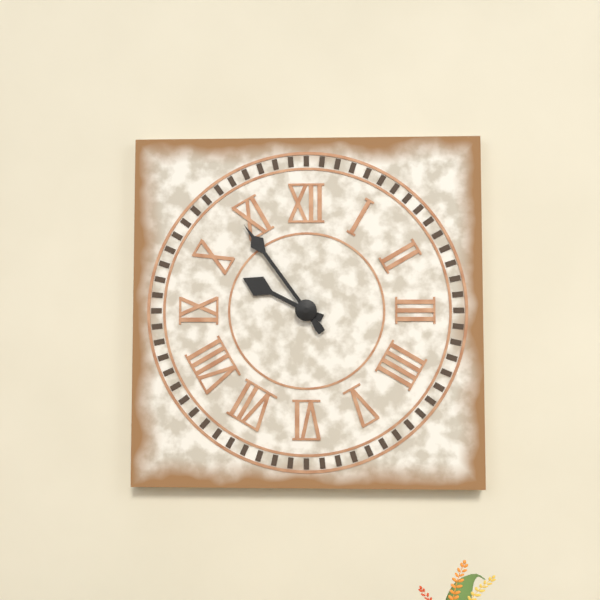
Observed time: 9h54
